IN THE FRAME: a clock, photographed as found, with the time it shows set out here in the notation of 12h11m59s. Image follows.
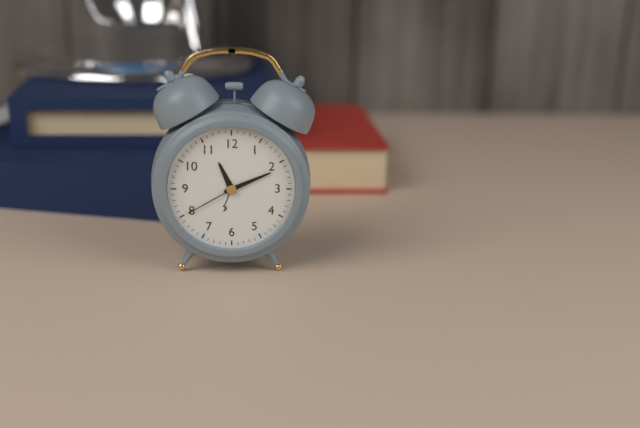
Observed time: 11h11m40s
